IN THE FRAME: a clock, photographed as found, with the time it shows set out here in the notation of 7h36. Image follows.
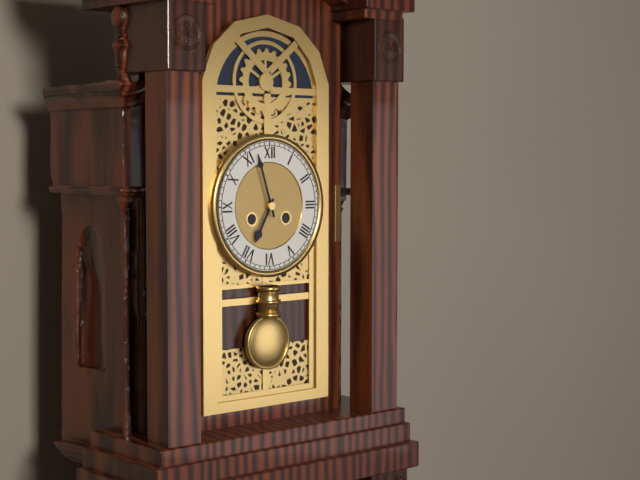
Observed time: 6h57
